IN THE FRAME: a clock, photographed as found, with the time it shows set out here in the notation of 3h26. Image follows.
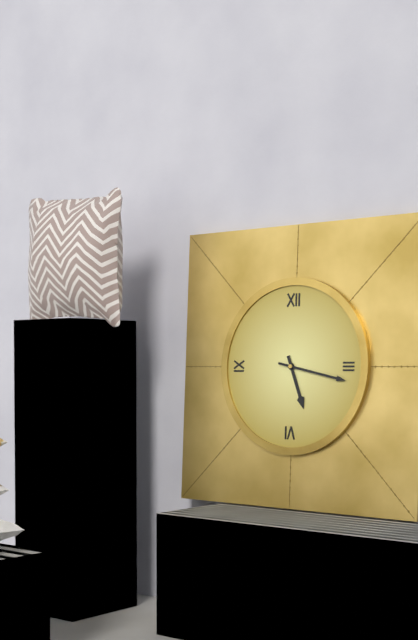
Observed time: 5h17
